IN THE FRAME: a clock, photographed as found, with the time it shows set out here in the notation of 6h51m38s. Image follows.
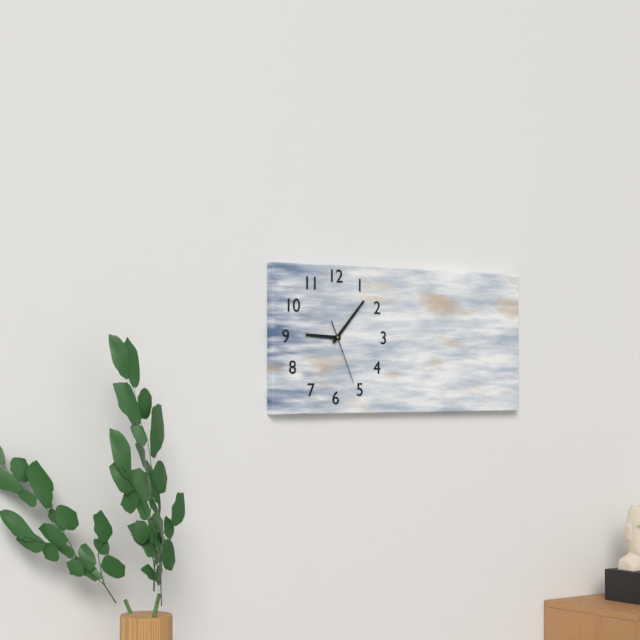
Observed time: 9h07m26s
